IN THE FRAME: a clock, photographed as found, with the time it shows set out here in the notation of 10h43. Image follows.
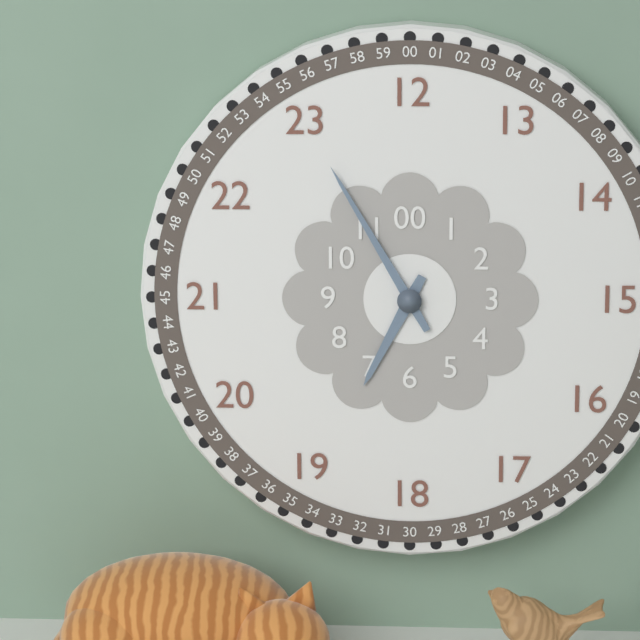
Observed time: 6h55
